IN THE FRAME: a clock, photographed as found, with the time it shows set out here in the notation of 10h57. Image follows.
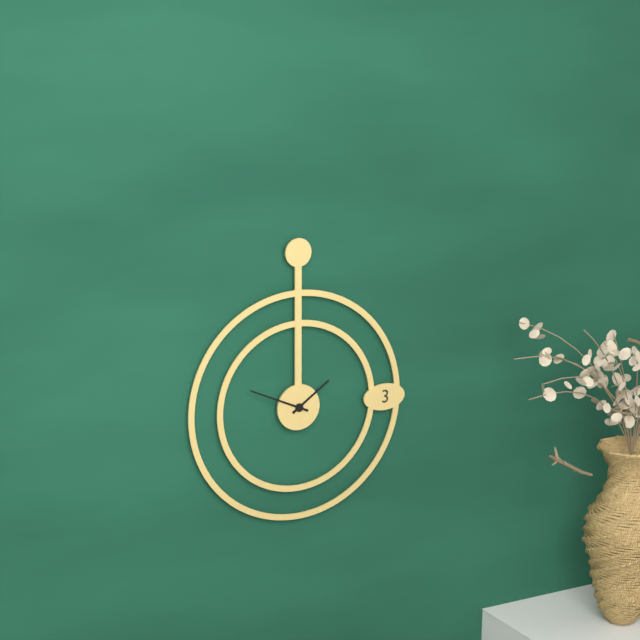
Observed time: 1h49
